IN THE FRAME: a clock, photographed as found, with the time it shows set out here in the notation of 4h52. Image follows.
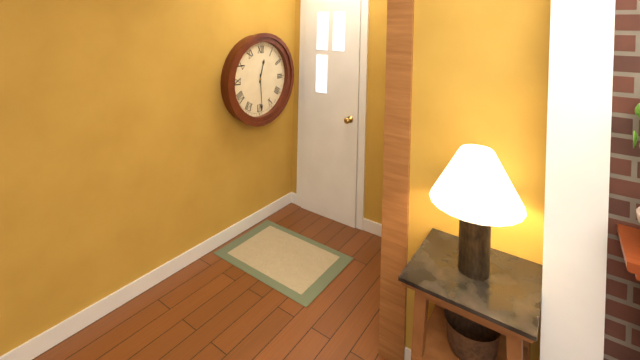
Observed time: 12h29
